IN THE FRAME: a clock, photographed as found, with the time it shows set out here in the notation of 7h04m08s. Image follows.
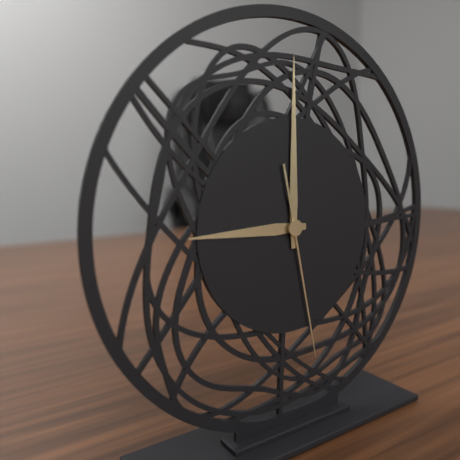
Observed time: 9h00m28s
